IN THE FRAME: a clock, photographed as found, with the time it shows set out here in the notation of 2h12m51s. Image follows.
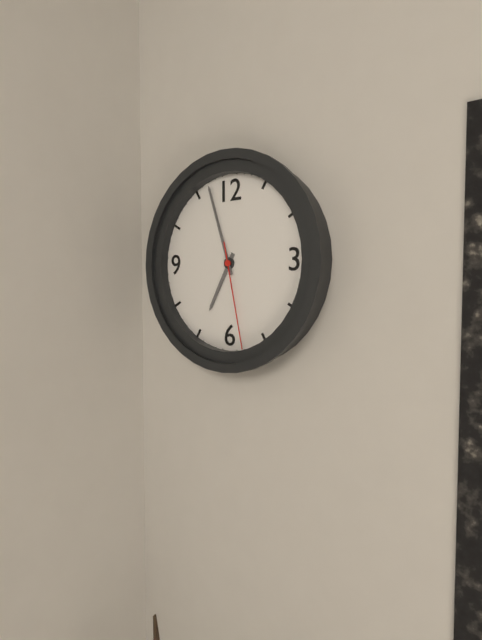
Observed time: 6h57m28s
